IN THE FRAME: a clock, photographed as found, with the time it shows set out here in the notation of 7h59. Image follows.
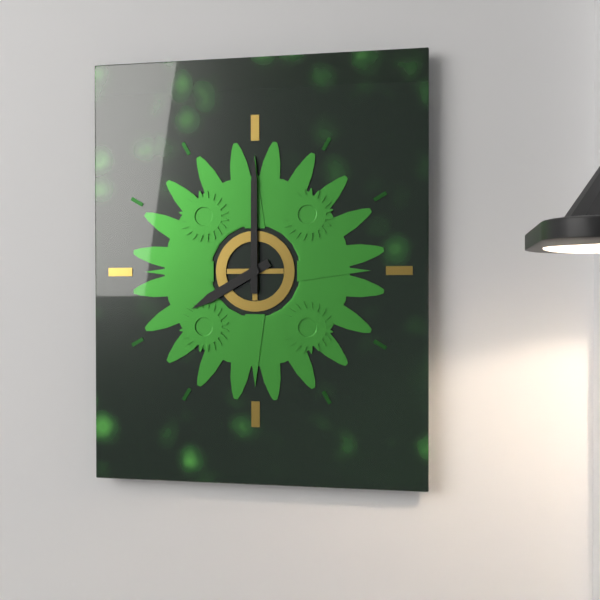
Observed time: 8h00
